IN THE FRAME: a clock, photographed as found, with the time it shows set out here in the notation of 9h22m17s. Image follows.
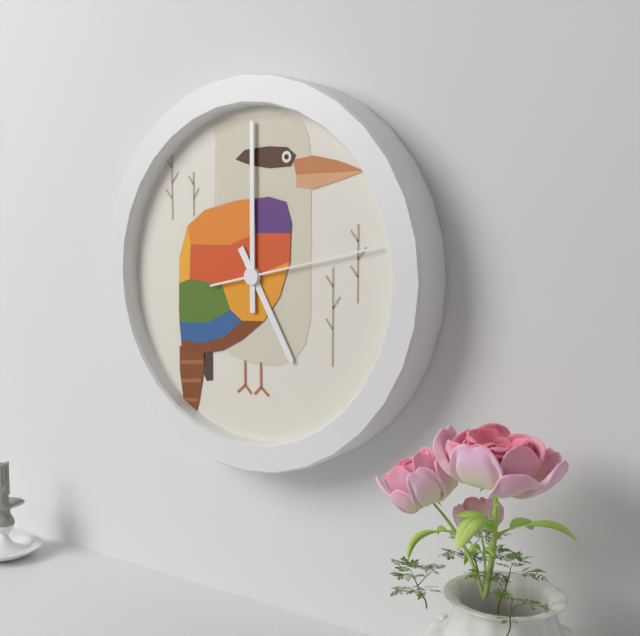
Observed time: 5h00m13s
